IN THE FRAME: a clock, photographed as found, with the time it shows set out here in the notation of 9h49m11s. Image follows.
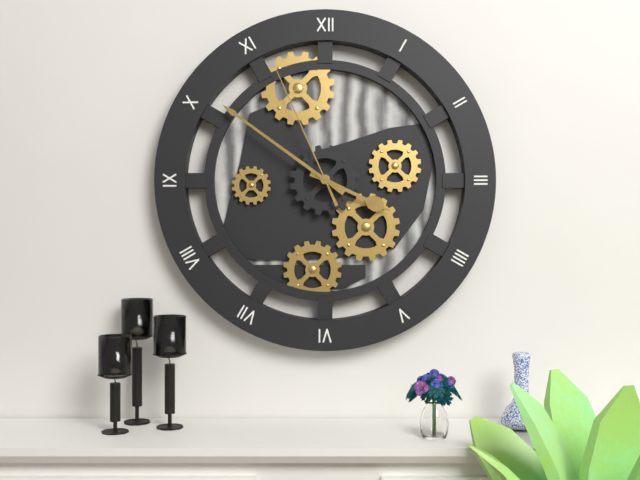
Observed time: 3h51m56s
